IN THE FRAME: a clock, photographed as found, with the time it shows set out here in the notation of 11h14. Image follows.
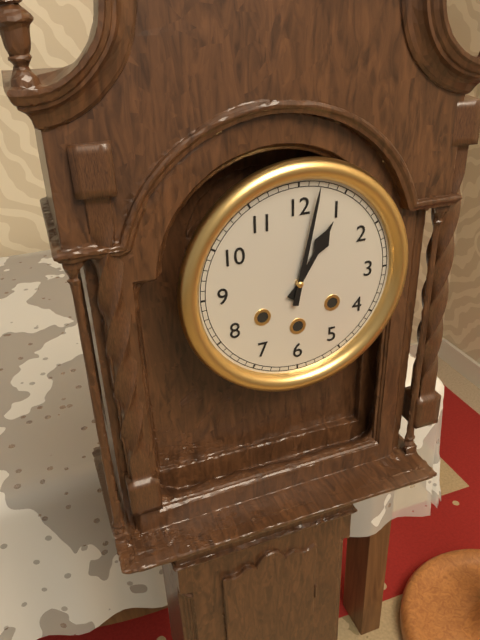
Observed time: 1h02
